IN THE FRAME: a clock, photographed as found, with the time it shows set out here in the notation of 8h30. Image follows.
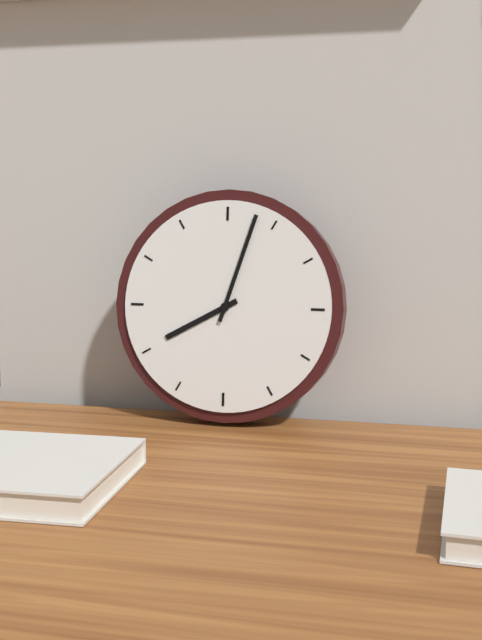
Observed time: 8h03
